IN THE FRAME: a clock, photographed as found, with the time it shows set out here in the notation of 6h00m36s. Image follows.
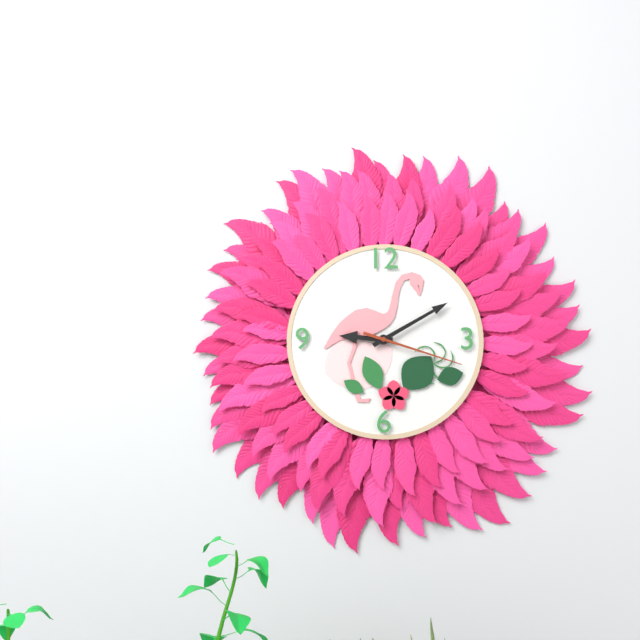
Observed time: 9h10m18s
